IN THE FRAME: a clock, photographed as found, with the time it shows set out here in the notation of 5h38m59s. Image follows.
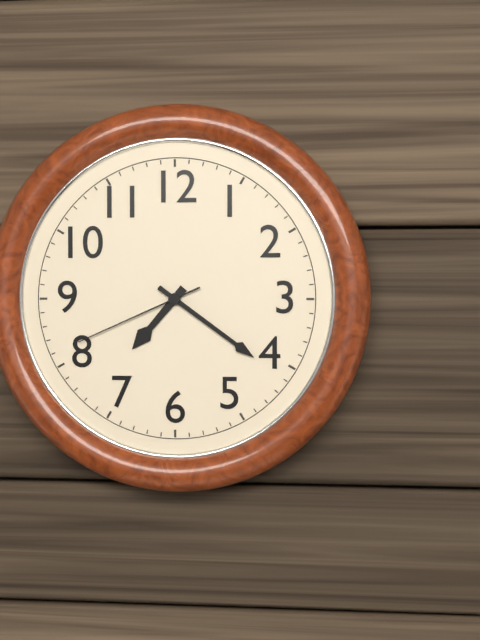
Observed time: 7h21m41s
